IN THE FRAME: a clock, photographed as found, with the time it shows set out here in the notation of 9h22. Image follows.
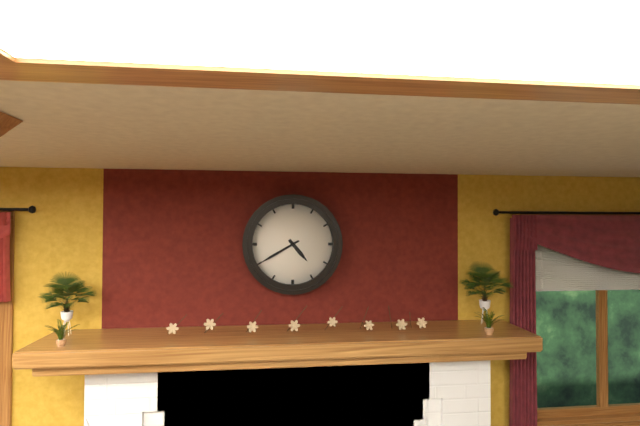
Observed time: 4h40
